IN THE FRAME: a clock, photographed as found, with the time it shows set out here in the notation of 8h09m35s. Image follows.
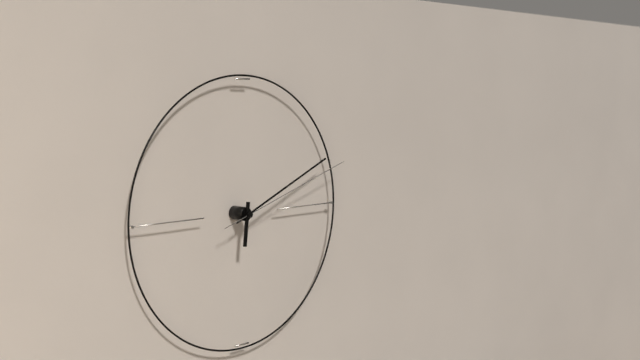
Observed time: 6h11m12s
